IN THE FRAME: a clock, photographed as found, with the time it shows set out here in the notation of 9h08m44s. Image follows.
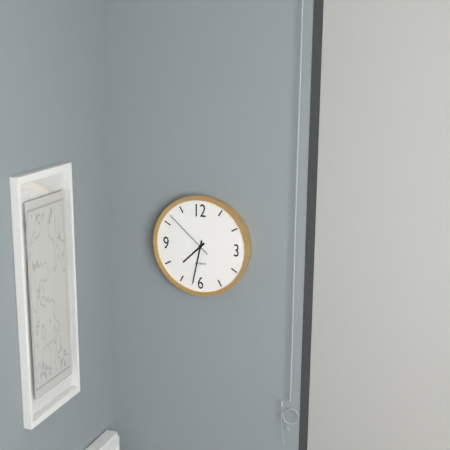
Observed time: 7h32m52s
